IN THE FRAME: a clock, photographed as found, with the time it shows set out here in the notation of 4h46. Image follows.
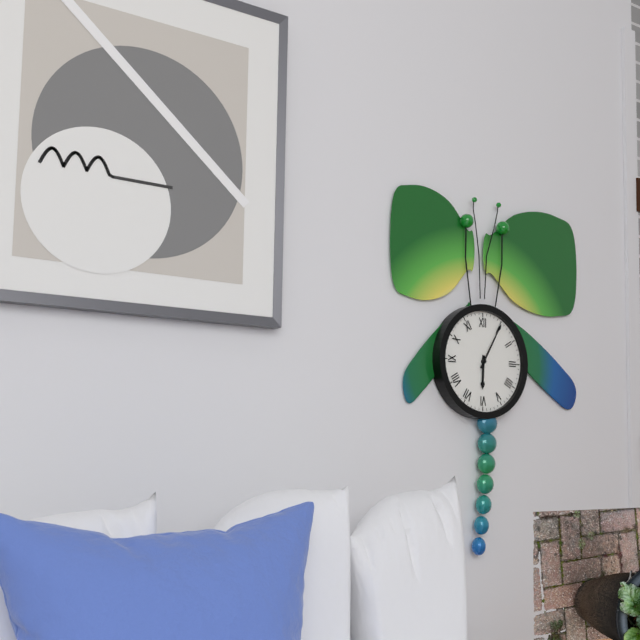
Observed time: 6h05
